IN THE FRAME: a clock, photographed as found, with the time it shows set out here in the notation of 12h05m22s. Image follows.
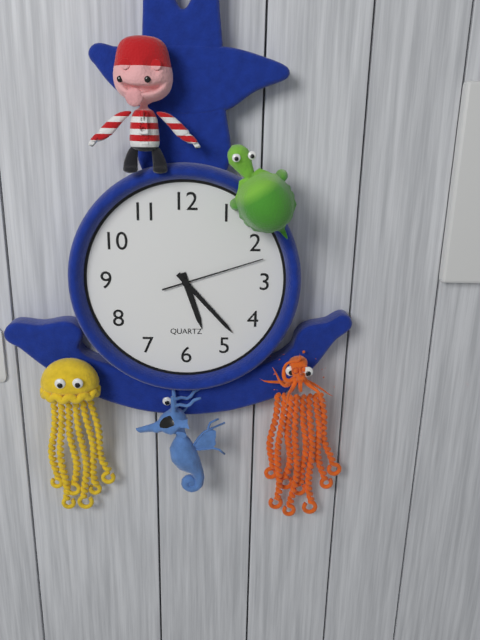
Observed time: 5h23m12s
